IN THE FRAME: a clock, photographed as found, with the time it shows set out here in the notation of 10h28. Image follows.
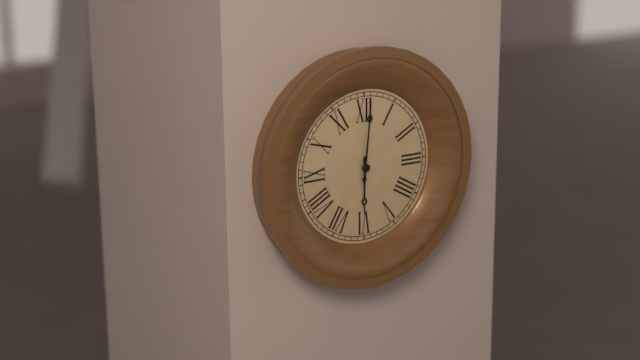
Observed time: 6h01
